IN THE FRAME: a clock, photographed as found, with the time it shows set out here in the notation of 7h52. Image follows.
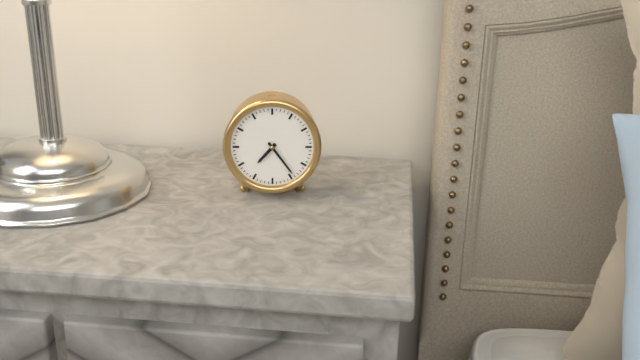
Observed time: 7h24
